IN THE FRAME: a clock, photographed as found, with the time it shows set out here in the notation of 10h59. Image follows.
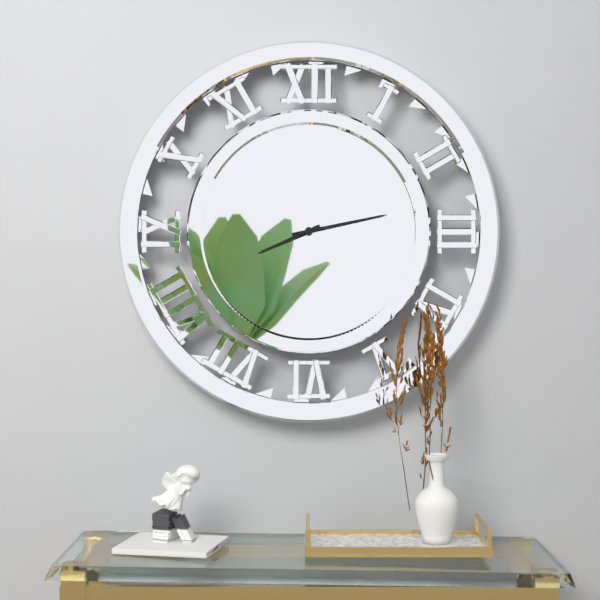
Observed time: 8h13
